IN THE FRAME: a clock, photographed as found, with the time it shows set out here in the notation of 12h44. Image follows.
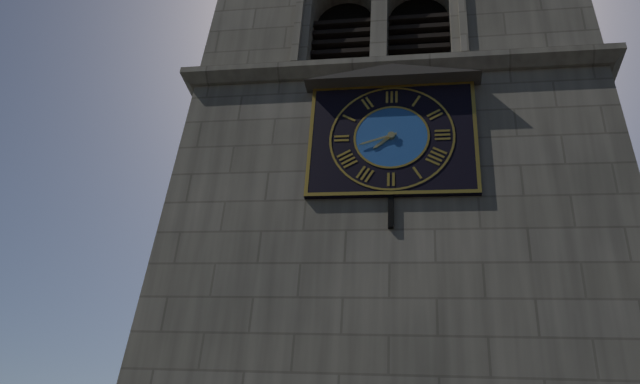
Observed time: 7h42
